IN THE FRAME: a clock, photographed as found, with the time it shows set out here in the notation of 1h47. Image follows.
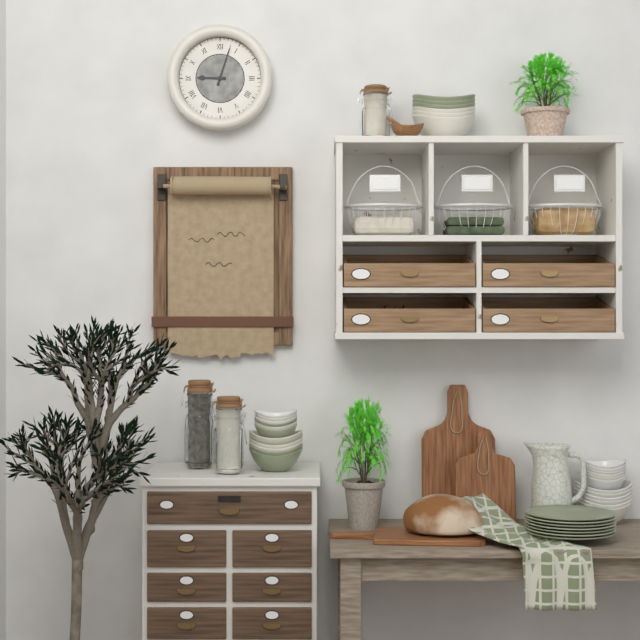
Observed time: 9h03
